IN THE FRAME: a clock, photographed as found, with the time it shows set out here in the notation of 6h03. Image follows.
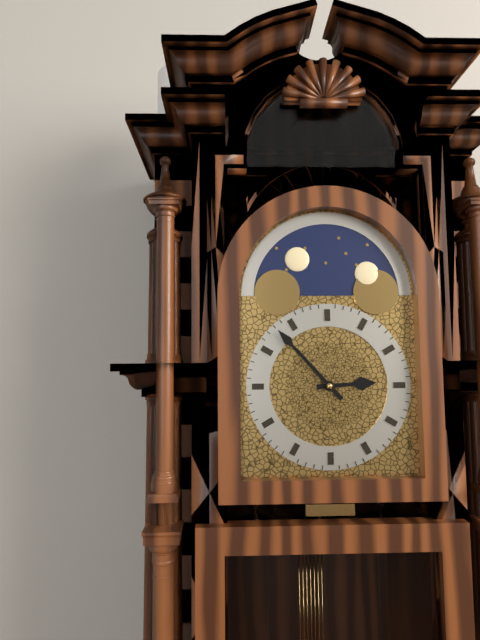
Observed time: 2h53
